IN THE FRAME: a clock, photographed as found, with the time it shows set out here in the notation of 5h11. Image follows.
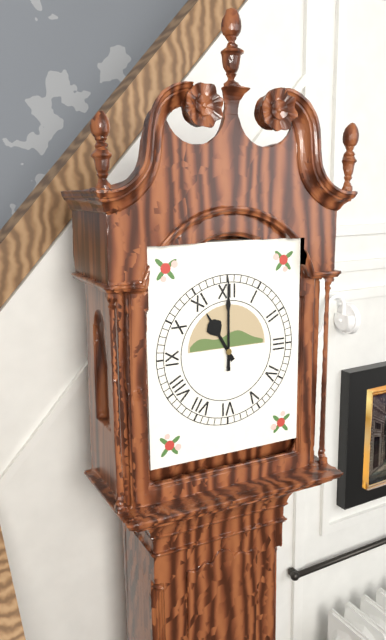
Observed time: 11h00
